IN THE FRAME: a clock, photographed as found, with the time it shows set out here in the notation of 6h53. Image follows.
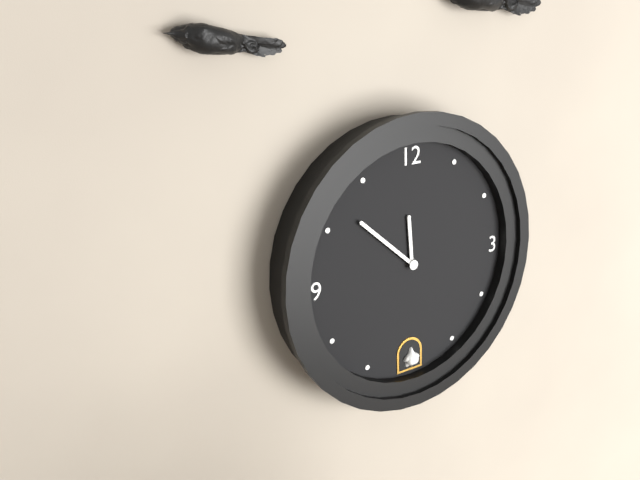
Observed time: 11h52
